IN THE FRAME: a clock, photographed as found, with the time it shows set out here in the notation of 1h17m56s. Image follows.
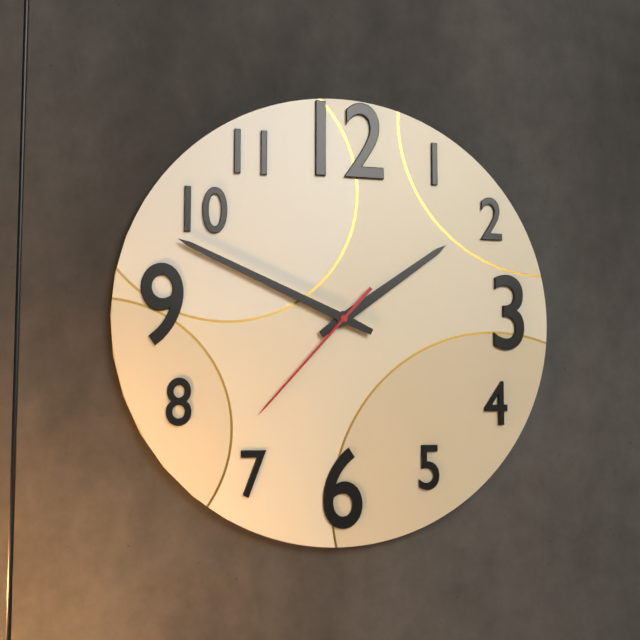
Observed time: 1h49m37s
